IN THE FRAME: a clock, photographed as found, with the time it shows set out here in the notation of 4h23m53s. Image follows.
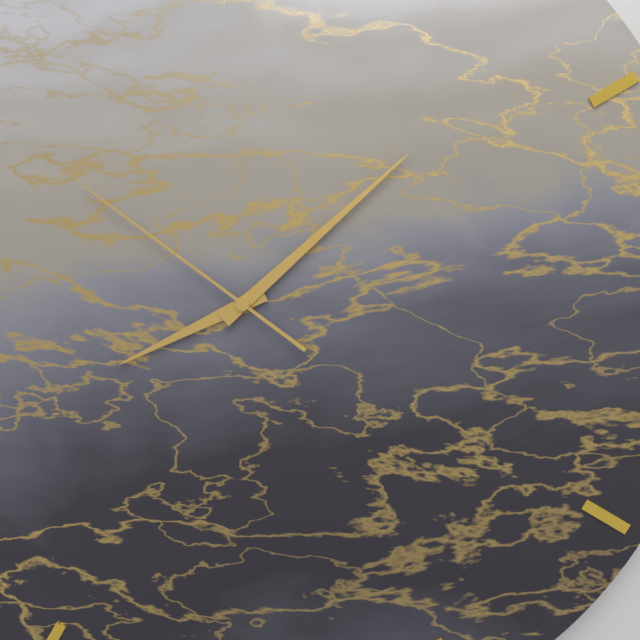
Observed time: 8h08m51s
